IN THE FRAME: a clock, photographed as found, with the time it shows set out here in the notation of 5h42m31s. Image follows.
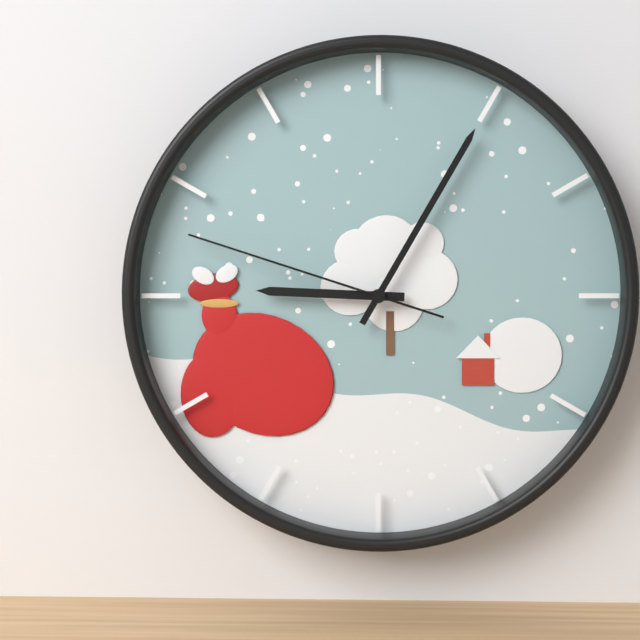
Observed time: 9h05m48s
